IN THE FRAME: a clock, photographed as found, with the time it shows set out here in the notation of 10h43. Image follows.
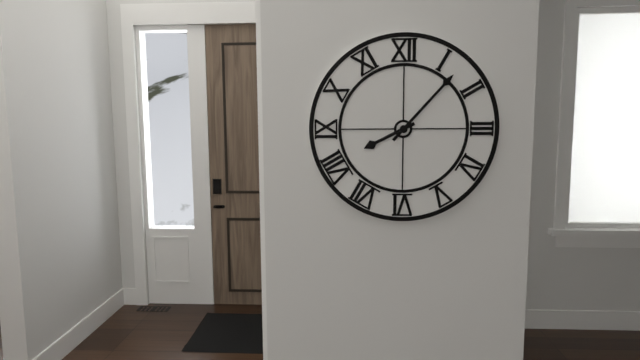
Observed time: 8h07
